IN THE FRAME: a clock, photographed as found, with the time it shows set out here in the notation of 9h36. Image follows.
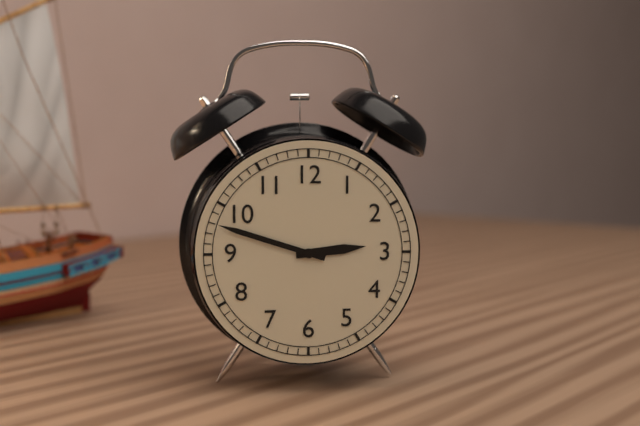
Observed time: 2h48
